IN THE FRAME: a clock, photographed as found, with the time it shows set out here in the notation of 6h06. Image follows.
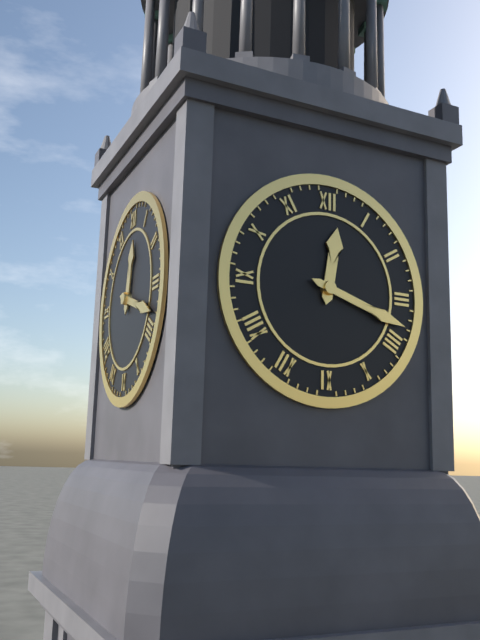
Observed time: 12h18
